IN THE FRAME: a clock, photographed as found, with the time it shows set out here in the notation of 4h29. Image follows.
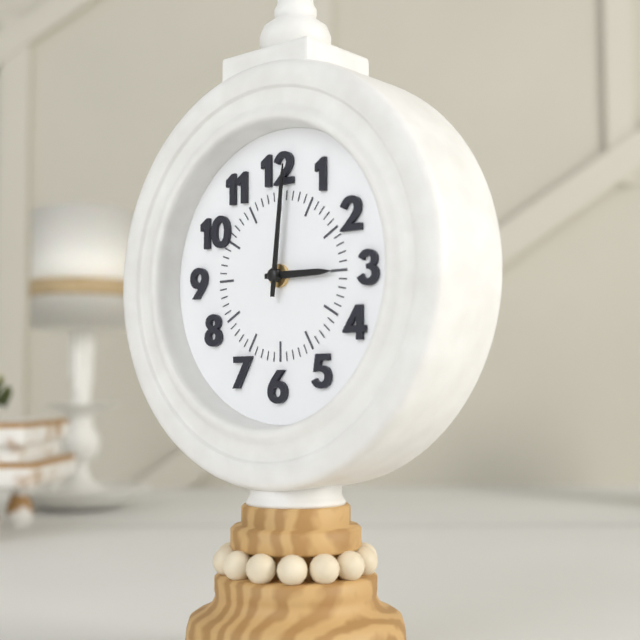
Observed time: 3h01
